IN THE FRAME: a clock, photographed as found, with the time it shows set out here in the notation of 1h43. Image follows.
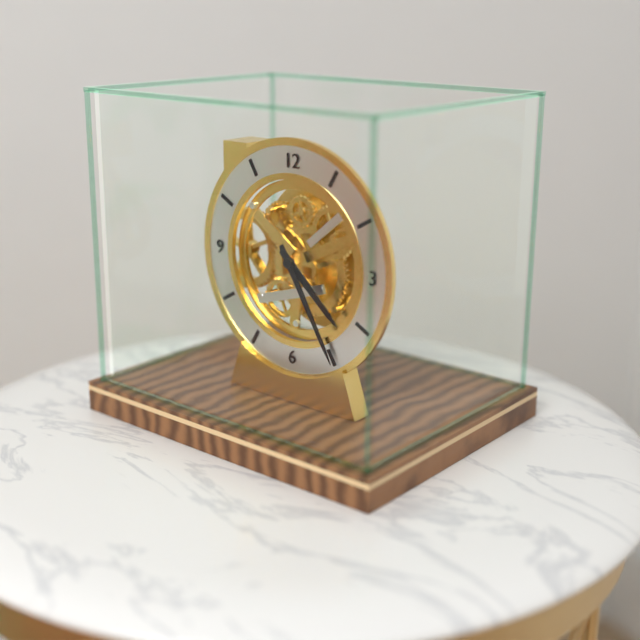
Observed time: 4h25
